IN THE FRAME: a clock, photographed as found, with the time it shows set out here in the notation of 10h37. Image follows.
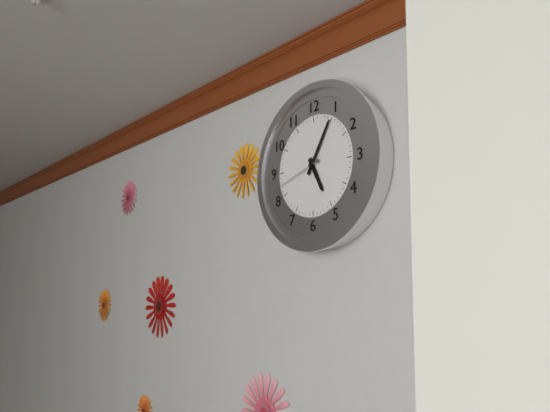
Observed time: 5h05
